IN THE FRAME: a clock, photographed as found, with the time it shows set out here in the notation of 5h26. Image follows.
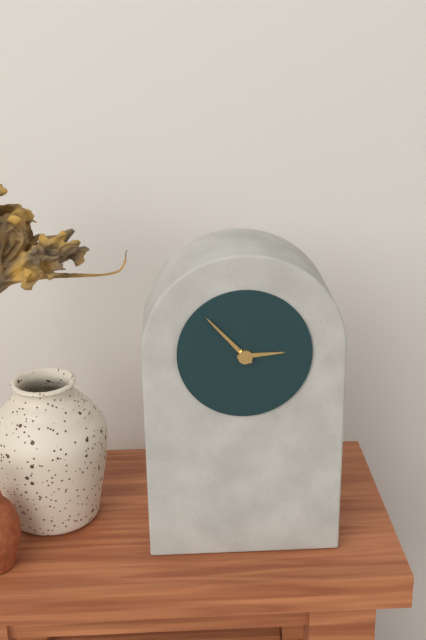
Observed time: 2h53
